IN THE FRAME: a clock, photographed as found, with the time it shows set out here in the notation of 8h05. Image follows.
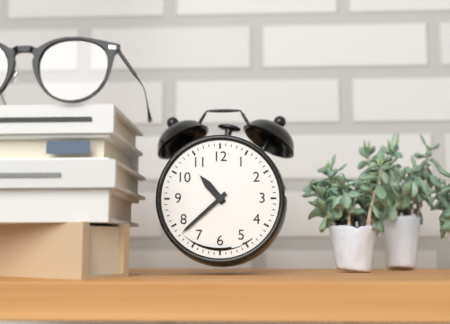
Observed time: 10h38
